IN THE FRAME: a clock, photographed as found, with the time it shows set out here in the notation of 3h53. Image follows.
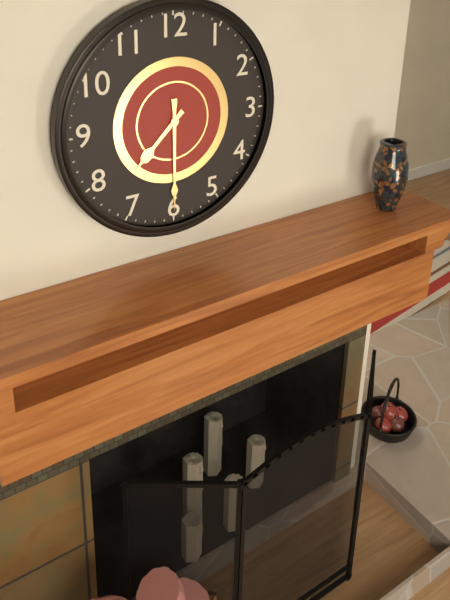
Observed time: 7h30
